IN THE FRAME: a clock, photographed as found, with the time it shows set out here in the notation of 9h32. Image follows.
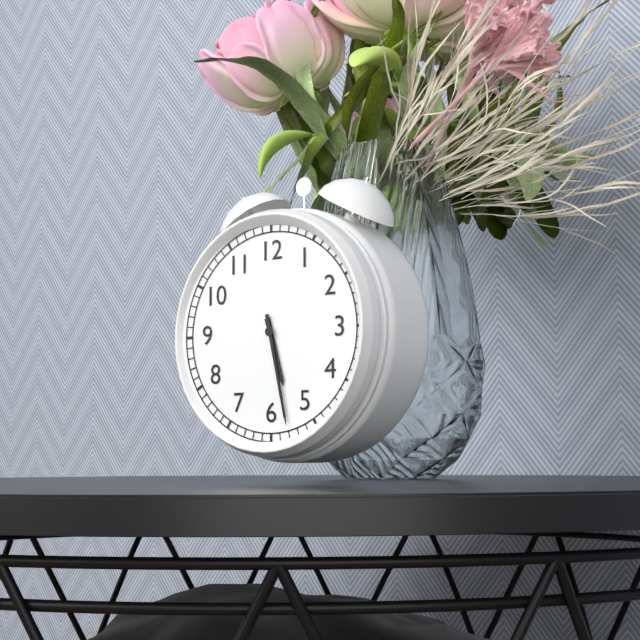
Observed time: 5h28
